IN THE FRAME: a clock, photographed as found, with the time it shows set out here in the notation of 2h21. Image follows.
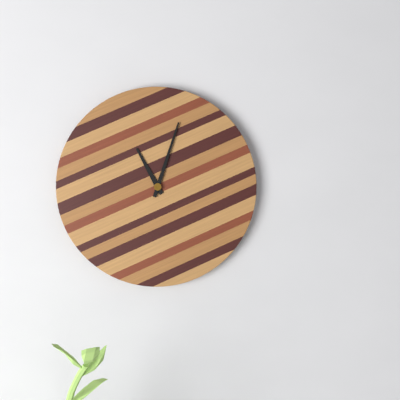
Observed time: 11h03
